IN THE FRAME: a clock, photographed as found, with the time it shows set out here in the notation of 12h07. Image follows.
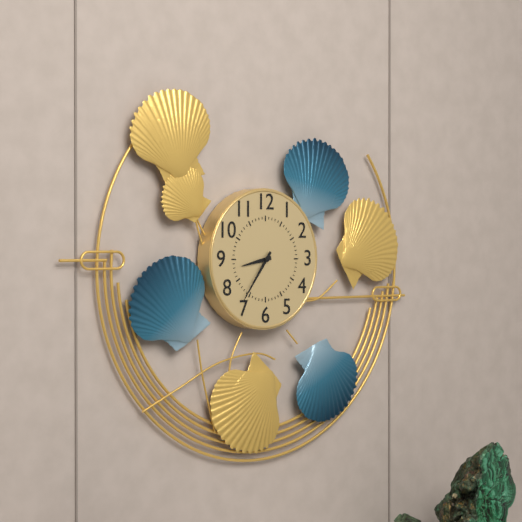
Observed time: 8h36
